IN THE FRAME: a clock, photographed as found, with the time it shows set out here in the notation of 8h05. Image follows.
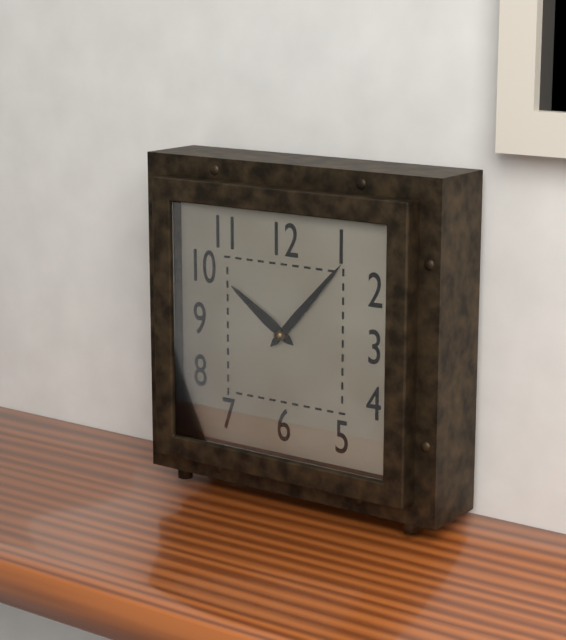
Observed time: 10h07
